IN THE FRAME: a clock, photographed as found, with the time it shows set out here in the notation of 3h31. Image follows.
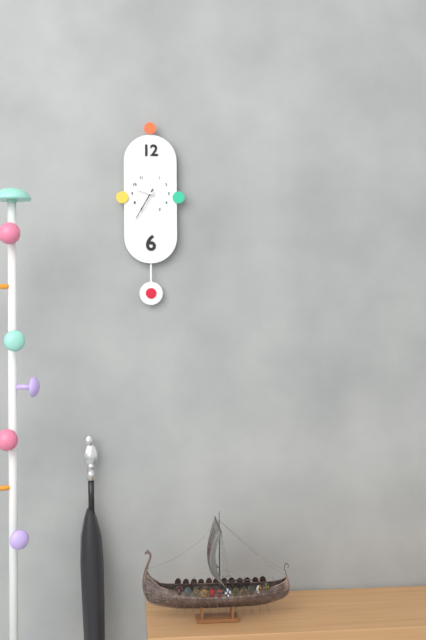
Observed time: 9h35
